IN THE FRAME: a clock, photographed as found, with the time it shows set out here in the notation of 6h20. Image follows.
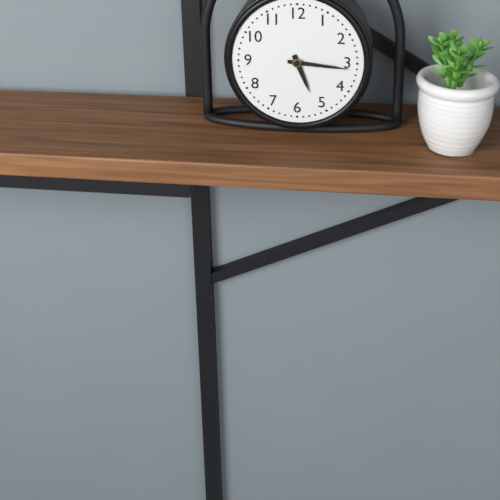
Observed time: 5h16
